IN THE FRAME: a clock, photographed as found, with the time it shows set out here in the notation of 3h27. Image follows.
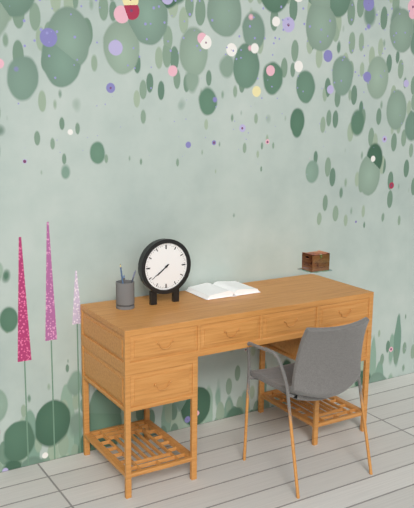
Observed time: 7h39
